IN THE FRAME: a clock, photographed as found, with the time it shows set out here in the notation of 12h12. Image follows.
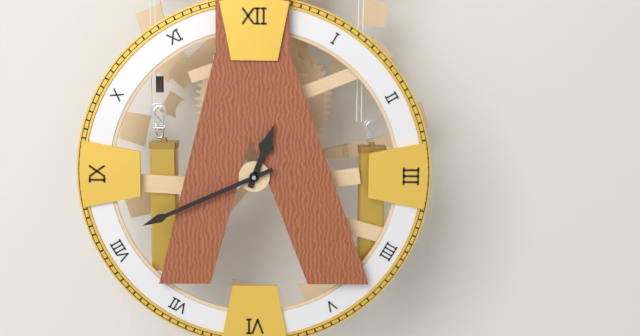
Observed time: 12h41
